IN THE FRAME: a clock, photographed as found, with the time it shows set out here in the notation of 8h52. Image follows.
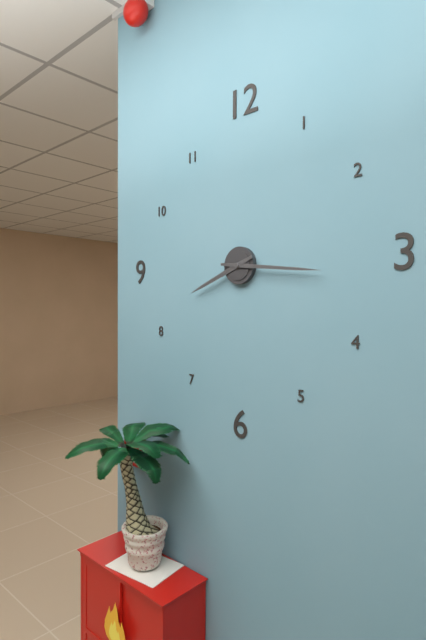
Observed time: 8h16
